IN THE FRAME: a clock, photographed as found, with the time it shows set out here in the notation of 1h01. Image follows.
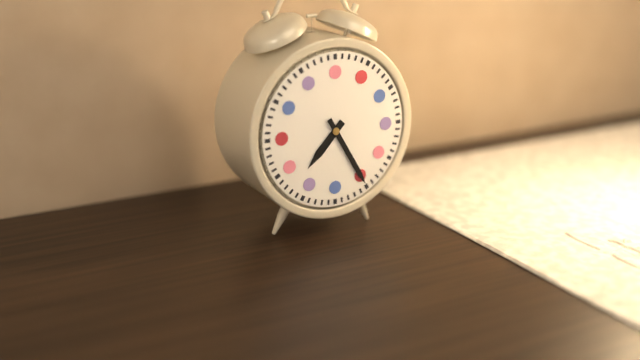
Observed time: 7h25
